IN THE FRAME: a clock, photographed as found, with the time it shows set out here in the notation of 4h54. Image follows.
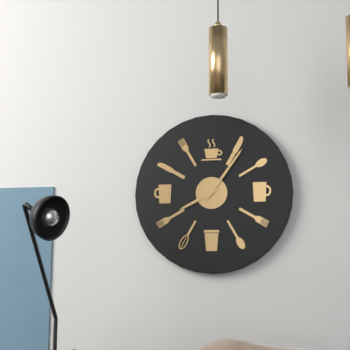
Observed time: 8h06
